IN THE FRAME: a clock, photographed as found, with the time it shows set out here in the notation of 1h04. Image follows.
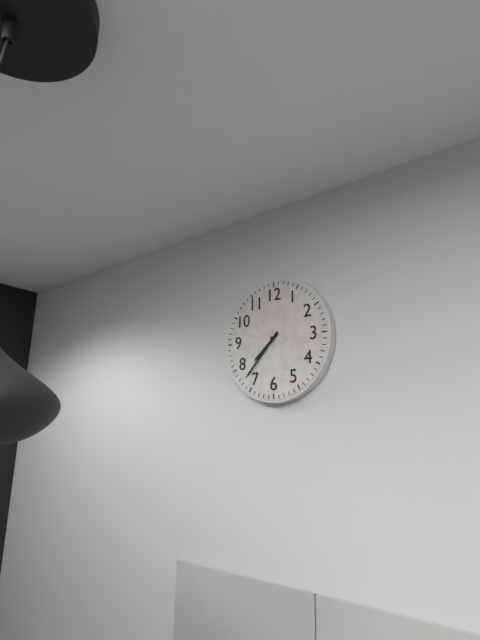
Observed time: 7h37
